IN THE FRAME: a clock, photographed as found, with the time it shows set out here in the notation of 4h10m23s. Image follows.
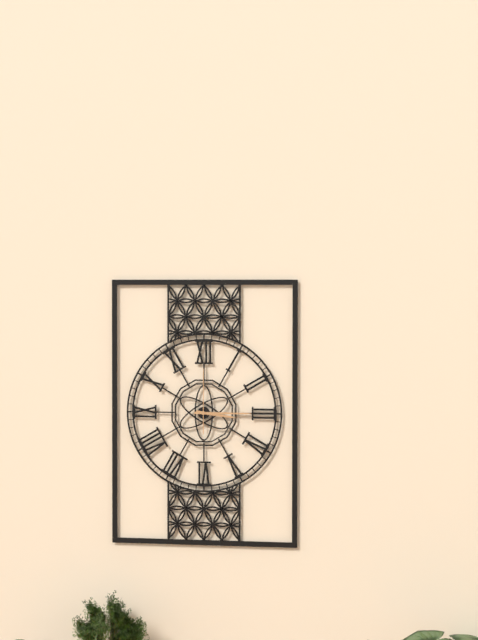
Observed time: 3h15m00s
